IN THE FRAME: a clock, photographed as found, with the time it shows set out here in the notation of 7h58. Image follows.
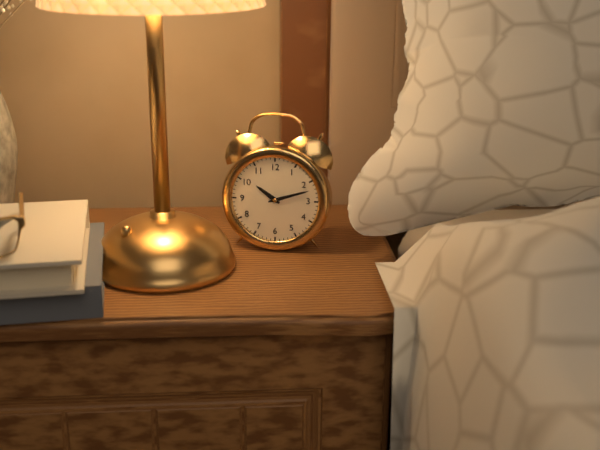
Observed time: 10h12
